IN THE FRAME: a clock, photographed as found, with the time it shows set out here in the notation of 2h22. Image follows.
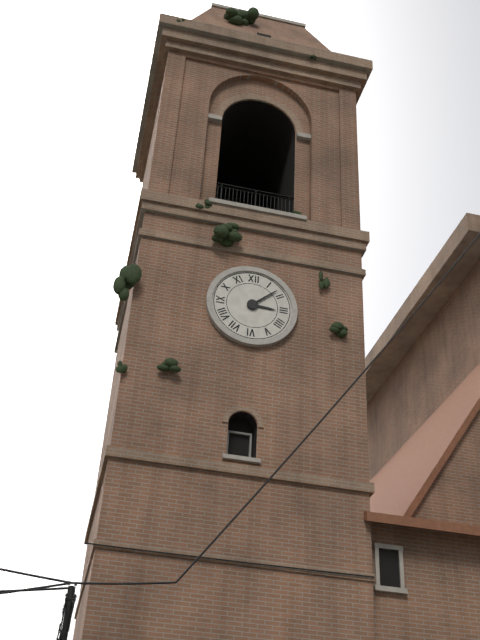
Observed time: 3h08
